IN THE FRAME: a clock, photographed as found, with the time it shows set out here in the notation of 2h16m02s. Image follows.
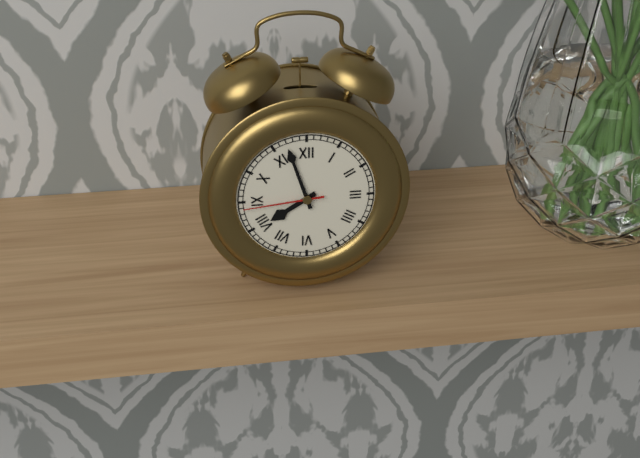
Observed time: 7h57m44s
